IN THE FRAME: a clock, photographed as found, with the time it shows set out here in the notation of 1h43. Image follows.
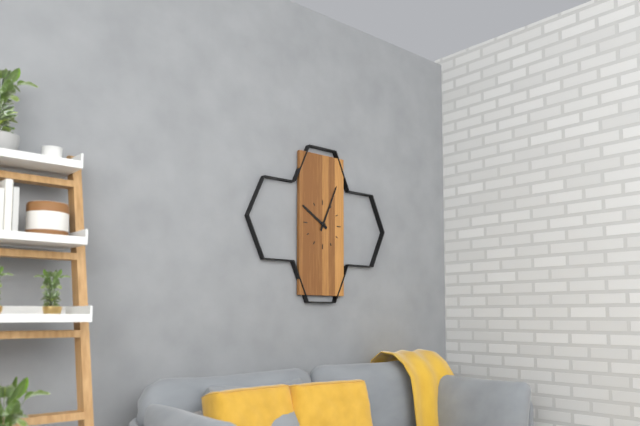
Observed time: 10h04
